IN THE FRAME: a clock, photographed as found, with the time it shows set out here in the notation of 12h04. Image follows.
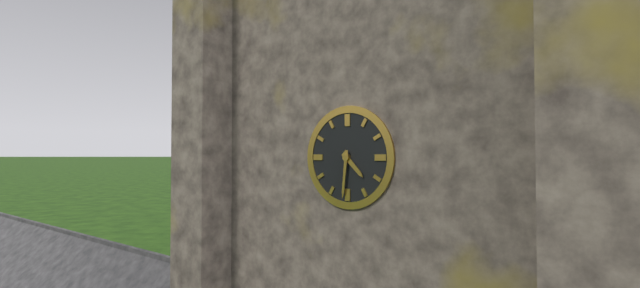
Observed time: 4h31
